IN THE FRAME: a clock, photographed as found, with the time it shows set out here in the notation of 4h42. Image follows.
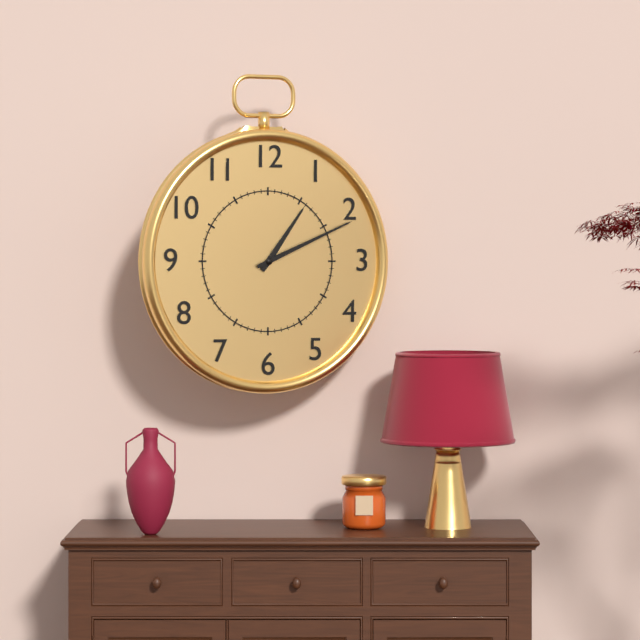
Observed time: 1h11
